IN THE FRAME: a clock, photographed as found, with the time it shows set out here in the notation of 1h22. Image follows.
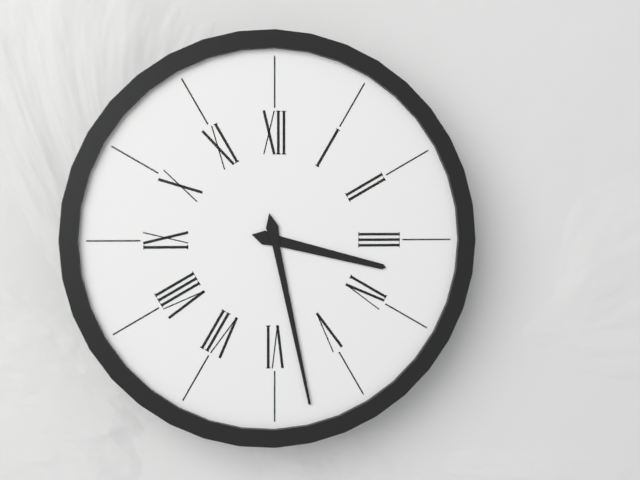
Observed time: 3h28
